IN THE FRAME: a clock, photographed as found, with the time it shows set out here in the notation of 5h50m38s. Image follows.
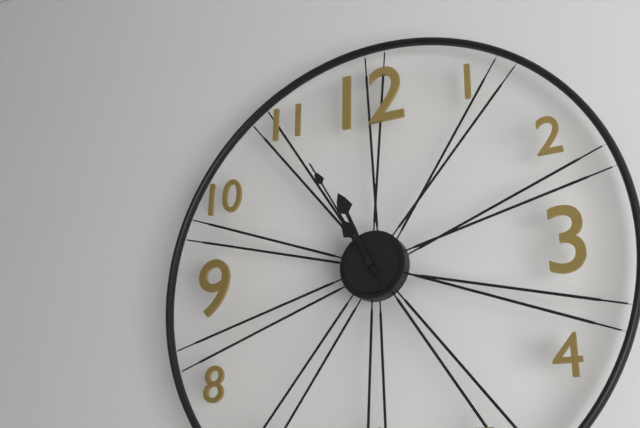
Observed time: 10h56m55s
